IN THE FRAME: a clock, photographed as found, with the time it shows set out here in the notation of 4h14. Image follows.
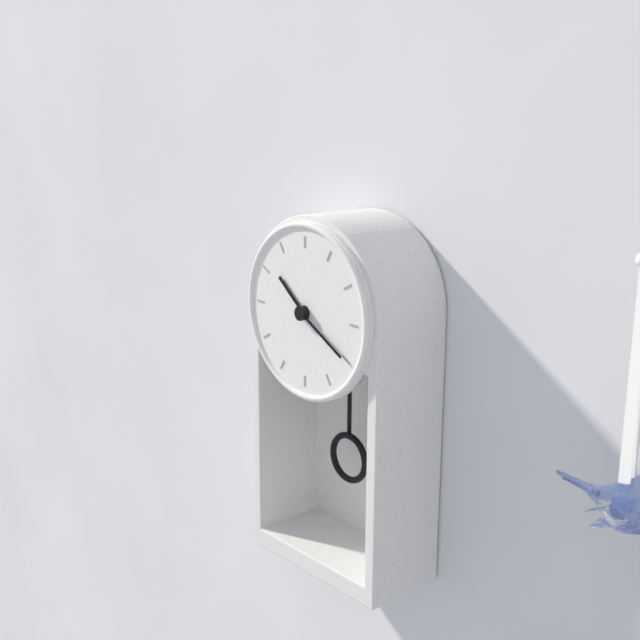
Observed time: 10h20
